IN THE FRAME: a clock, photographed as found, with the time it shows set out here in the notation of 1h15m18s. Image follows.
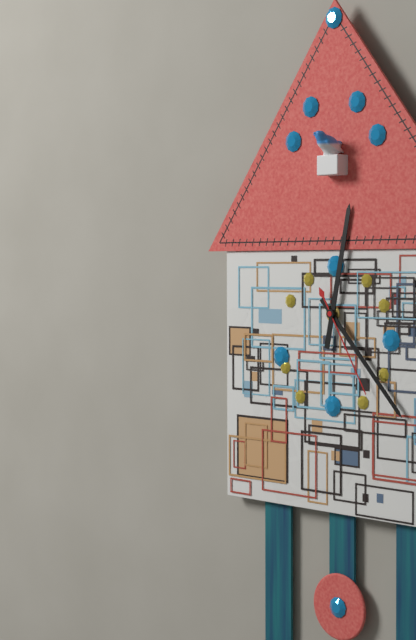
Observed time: 12h23m25s
